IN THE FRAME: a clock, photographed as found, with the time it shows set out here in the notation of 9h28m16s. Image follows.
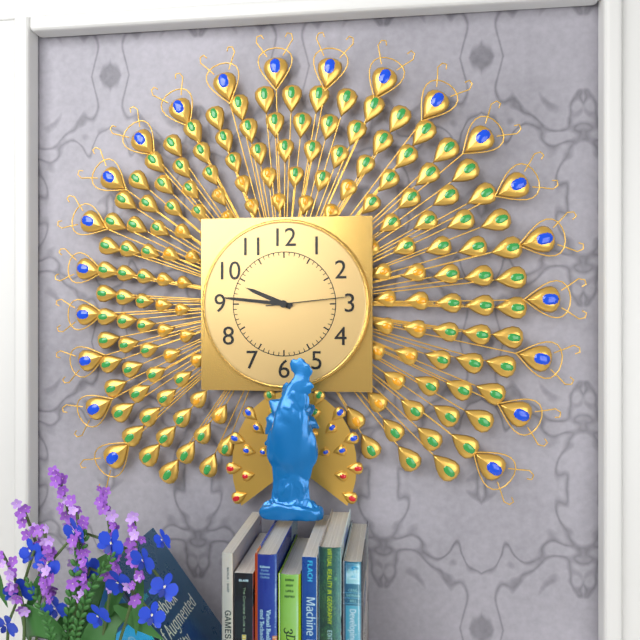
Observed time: 9h46m14s
